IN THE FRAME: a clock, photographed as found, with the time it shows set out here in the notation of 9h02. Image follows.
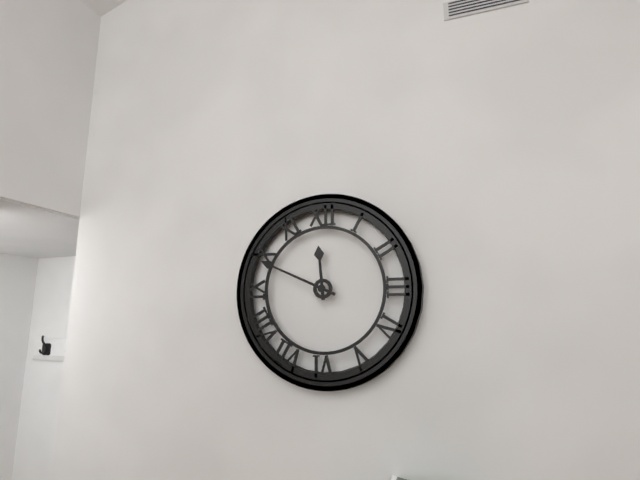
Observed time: 11h49
